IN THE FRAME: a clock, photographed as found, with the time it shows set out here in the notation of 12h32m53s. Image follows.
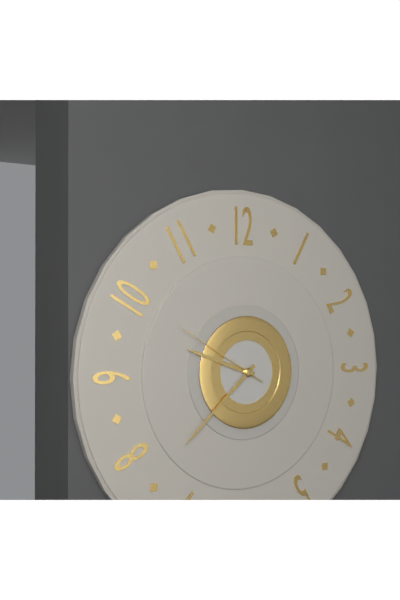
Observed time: 9h38m50s
